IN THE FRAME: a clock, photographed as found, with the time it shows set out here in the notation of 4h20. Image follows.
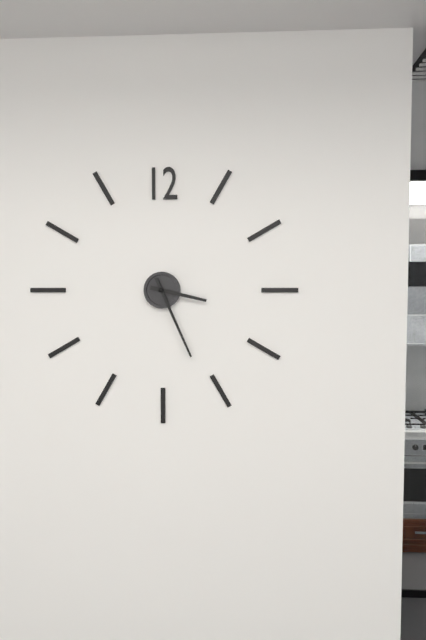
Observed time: 3h26
